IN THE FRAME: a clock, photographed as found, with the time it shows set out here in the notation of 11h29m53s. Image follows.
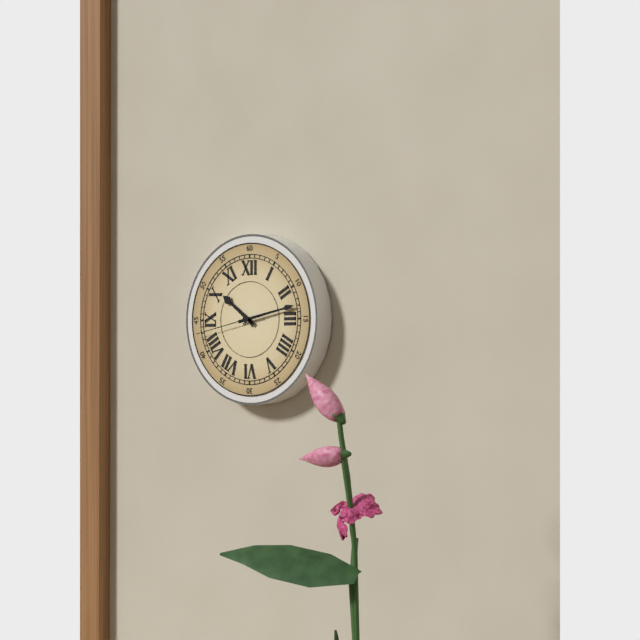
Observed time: 10h13m43s
